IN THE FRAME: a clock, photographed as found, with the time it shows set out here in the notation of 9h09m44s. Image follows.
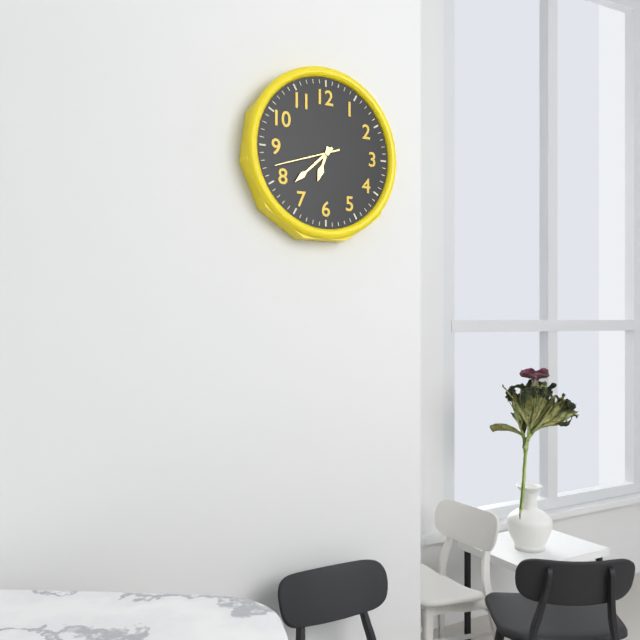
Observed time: 6h38m42s
